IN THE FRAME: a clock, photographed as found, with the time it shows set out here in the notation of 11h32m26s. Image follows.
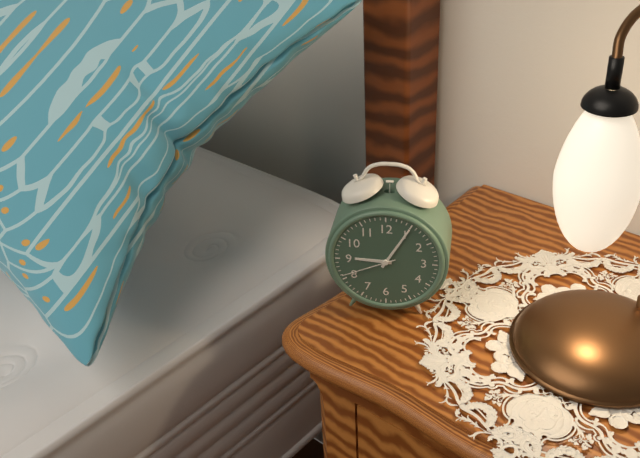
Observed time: 9h05m41s
